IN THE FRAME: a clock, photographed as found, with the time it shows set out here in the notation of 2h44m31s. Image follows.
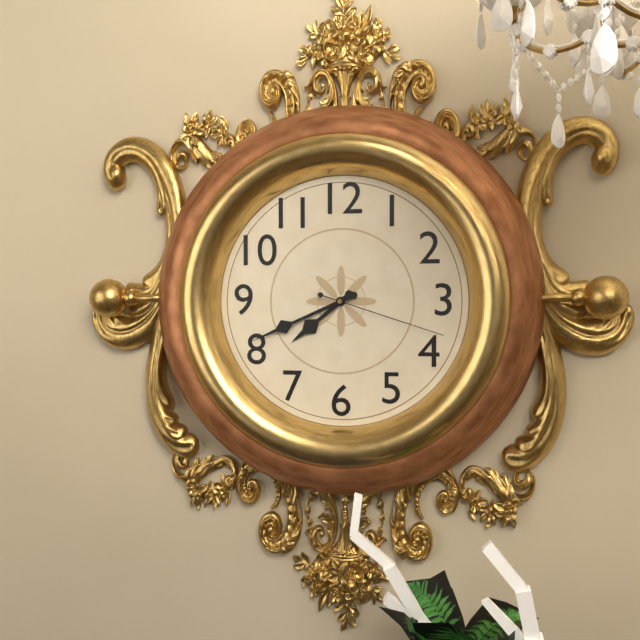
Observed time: 7h41m18s
